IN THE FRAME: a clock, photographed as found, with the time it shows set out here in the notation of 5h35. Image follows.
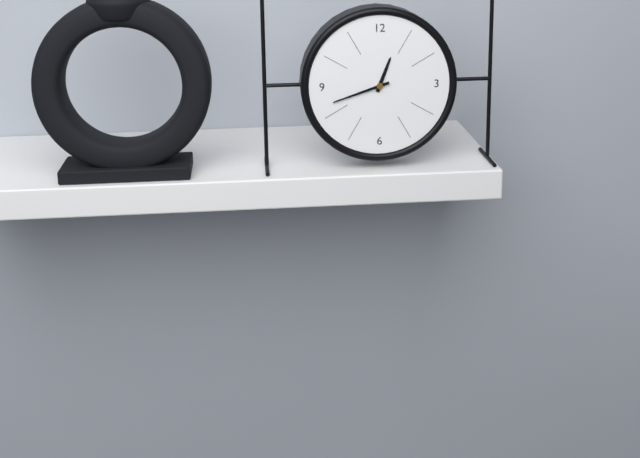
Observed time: 12h42
